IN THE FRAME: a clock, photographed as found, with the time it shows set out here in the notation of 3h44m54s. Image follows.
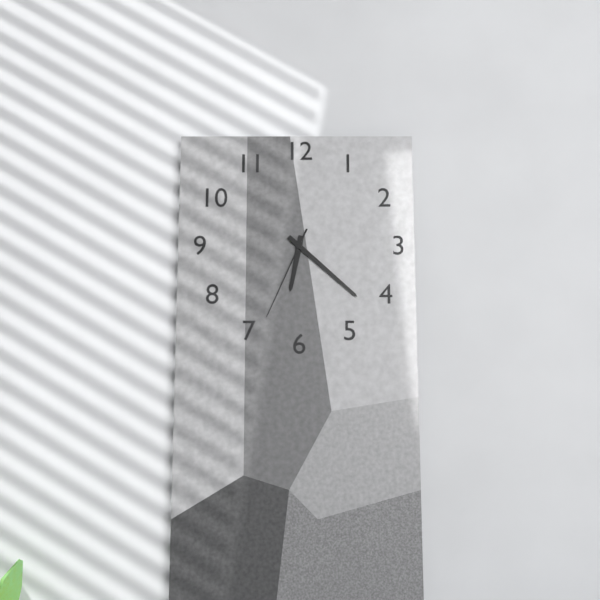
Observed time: 6h22m34s
